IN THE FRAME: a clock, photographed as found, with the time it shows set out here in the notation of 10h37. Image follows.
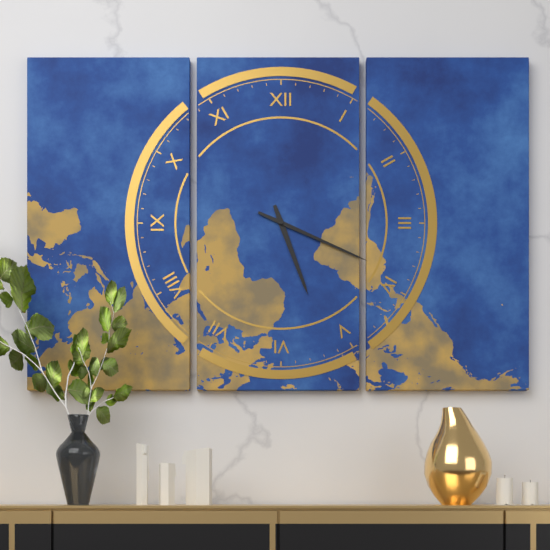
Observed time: 5h19
